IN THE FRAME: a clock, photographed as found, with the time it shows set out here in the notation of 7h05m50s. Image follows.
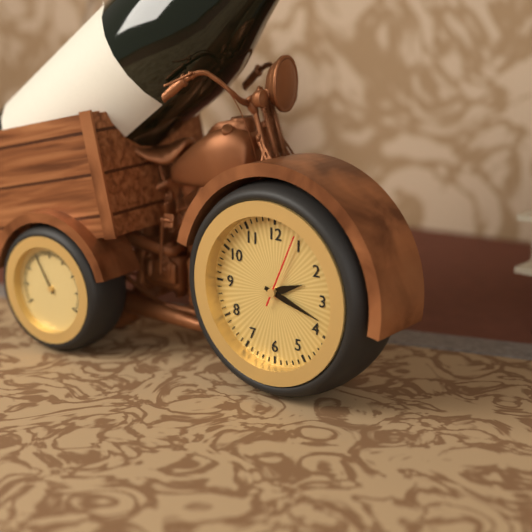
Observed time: 2h18m04s
